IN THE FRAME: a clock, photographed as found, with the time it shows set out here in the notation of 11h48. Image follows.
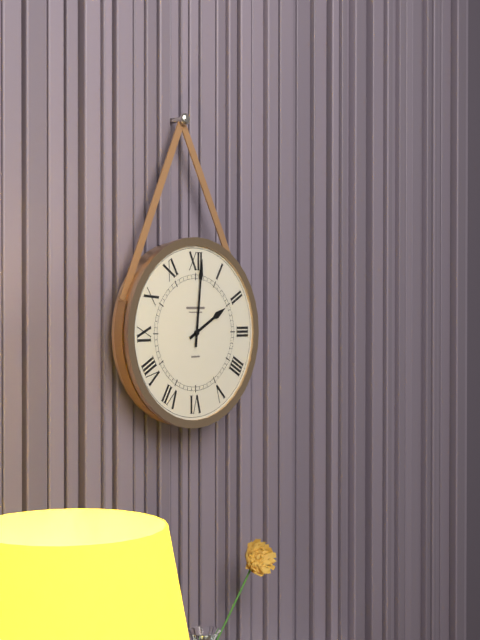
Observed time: 2h01
